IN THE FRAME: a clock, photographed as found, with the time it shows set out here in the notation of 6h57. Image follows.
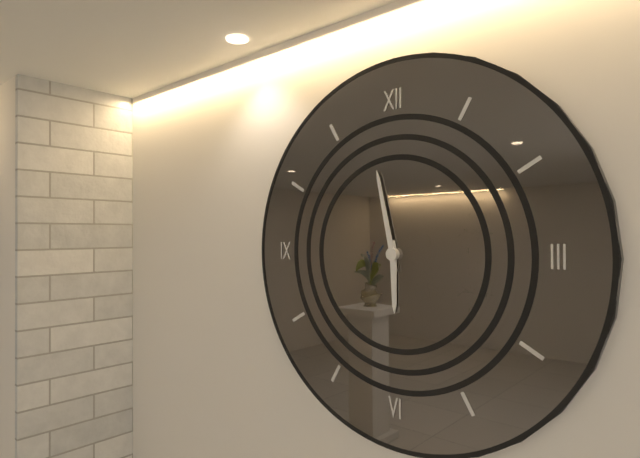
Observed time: 5h58
